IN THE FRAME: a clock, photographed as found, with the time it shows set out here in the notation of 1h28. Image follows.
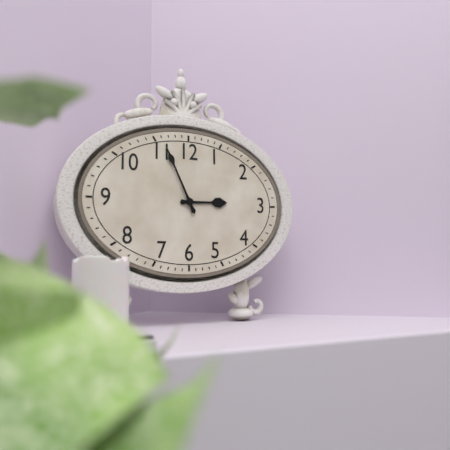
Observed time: 2h56
